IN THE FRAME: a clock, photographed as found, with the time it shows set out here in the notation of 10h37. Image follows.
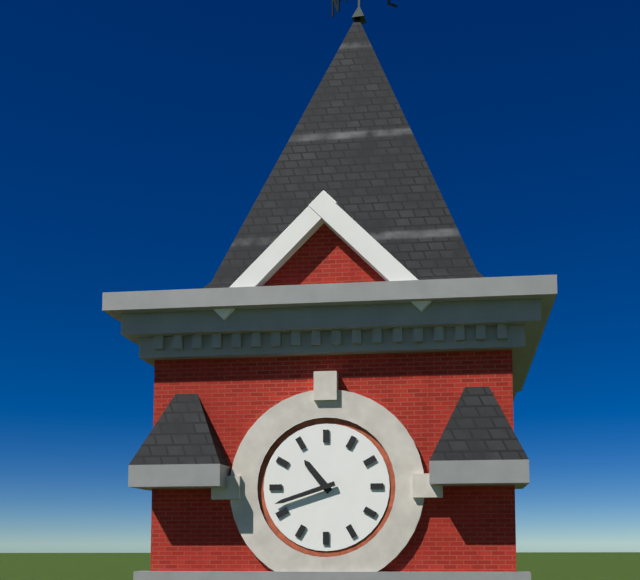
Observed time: 10h42
